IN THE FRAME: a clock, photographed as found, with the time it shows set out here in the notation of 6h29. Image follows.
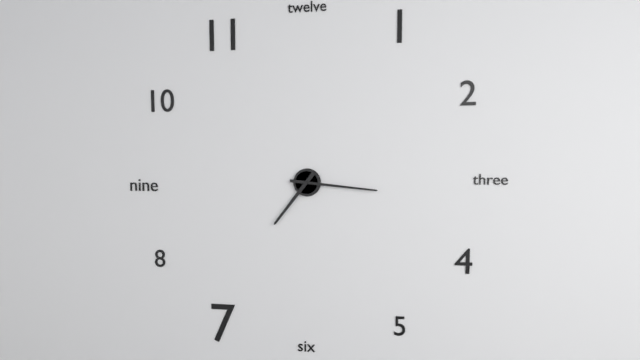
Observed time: 7h16
